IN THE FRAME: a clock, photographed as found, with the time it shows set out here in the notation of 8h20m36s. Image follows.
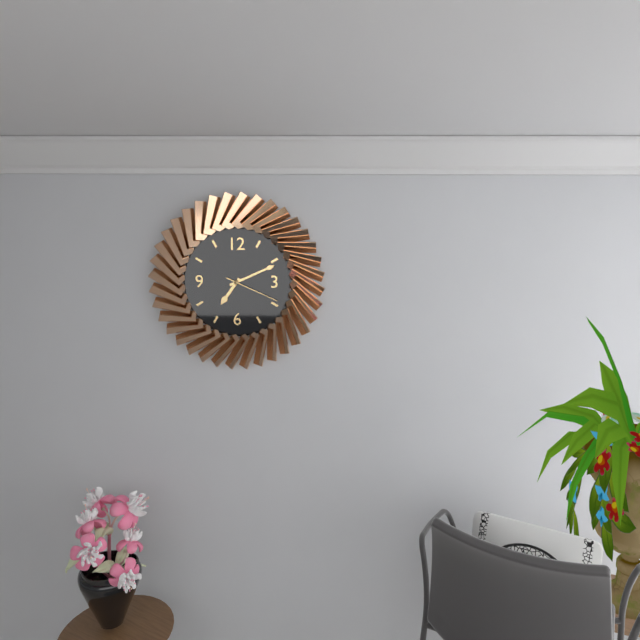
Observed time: 7h11m19s
